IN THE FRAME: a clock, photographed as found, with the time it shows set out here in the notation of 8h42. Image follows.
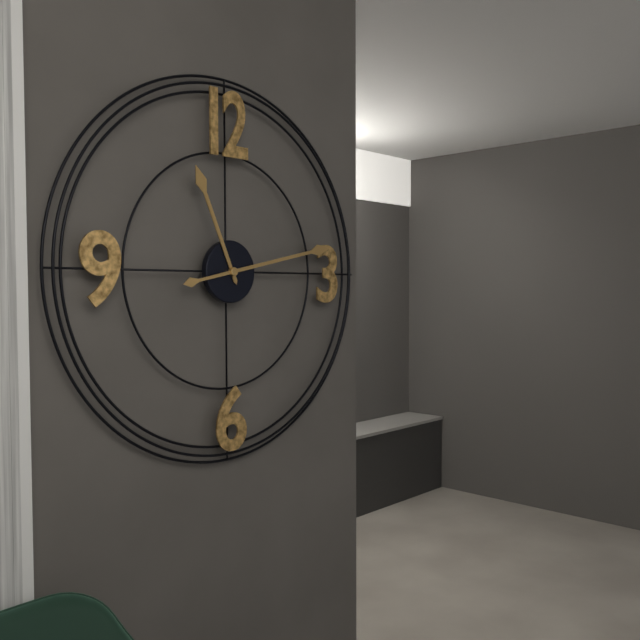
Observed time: 11h13
